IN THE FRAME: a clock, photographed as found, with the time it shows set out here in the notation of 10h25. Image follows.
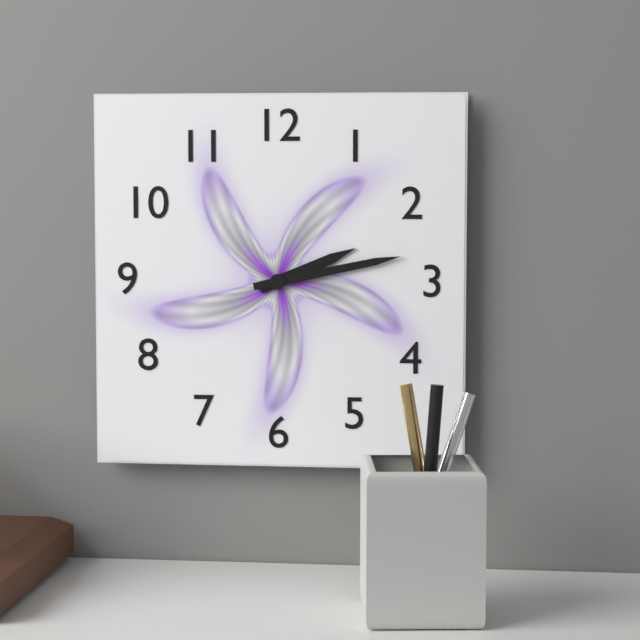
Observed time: 2h13
